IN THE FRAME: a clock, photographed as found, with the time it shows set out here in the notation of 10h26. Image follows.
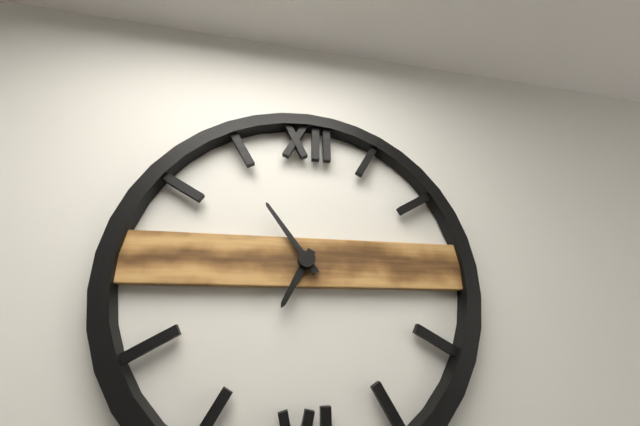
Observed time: 6h54
